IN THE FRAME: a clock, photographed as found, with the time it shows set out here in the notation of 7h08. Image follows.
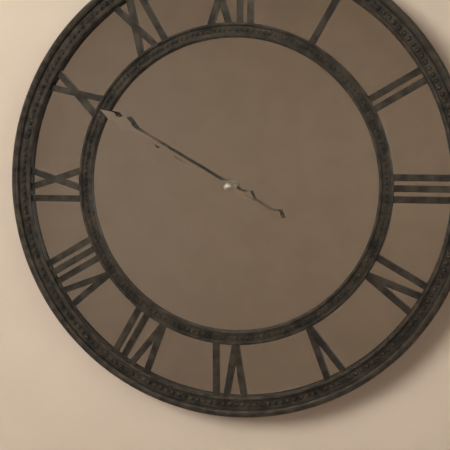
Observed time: 9h50
